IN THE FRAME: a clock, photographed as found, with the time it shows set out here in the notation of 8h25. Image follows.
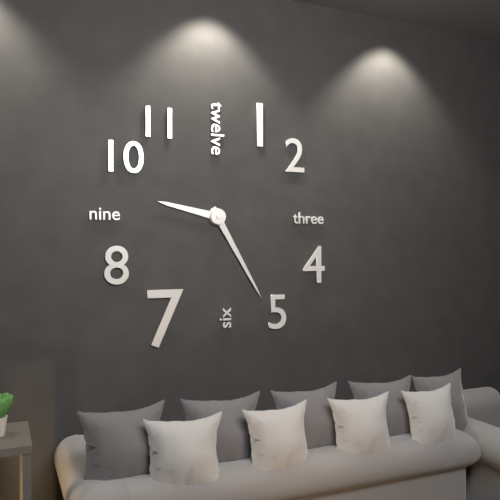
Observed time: 9h25
